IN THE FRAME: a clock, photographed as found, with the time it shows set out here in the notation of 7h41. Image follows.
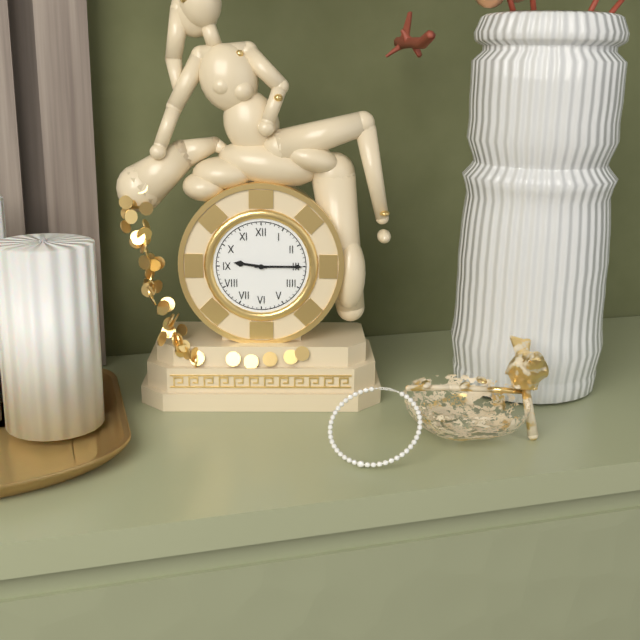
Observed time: 9h15
